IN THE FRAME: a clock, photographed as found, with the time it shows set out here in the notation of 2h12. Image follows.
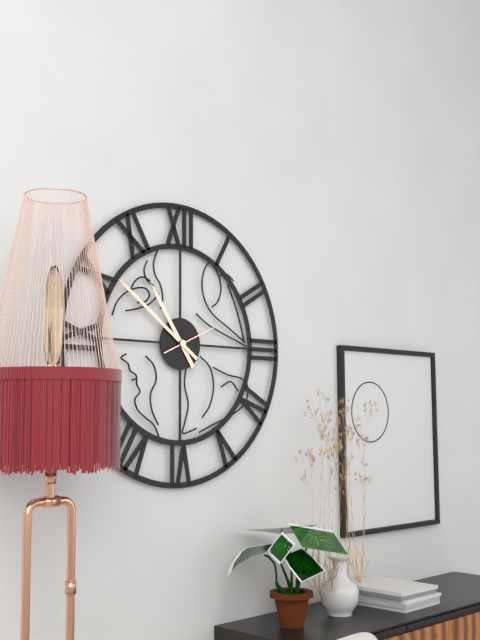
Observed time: 10h51
